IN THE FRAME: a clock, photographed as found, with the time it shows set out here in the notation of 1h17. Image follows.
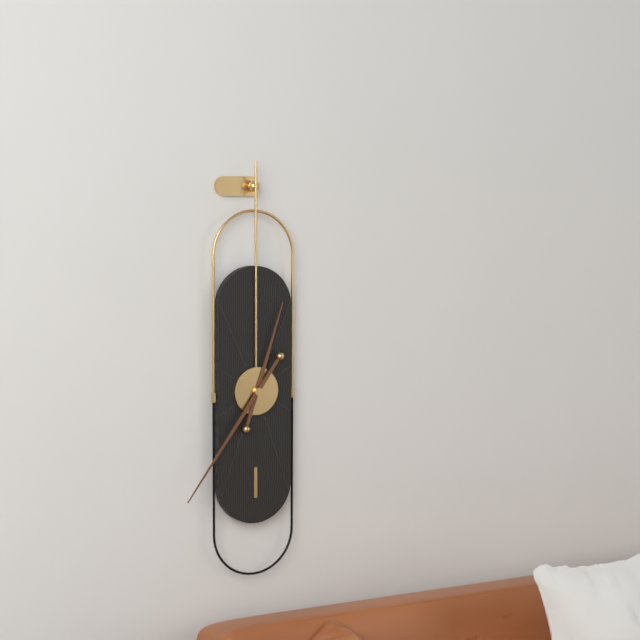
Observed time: 12h36
